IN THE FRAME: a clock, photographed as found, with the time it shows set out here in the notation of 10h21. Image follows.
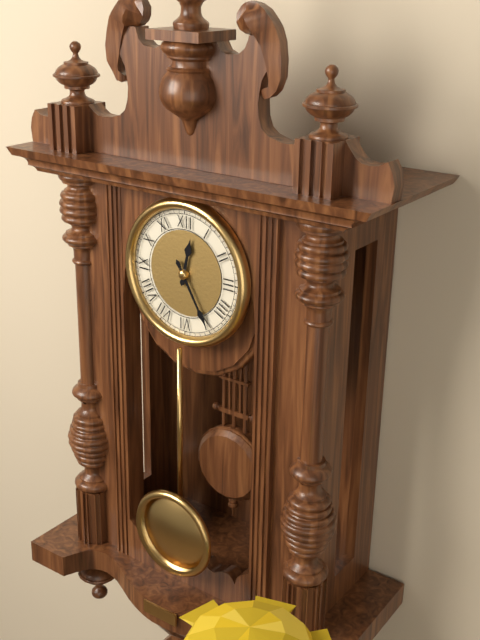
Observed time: 12h25
